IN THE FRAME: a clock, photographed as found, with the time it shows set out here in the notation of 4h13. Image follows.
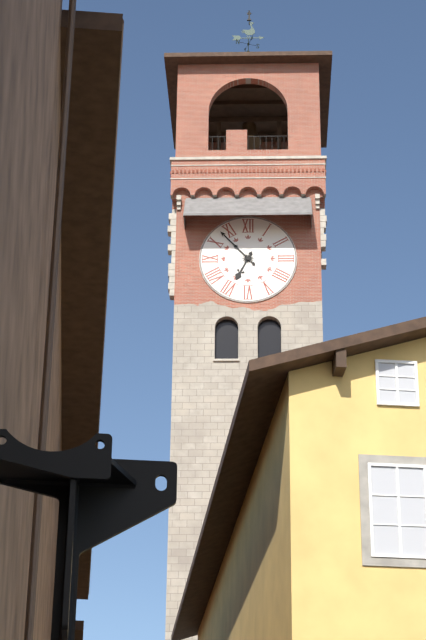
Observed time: 6h53
